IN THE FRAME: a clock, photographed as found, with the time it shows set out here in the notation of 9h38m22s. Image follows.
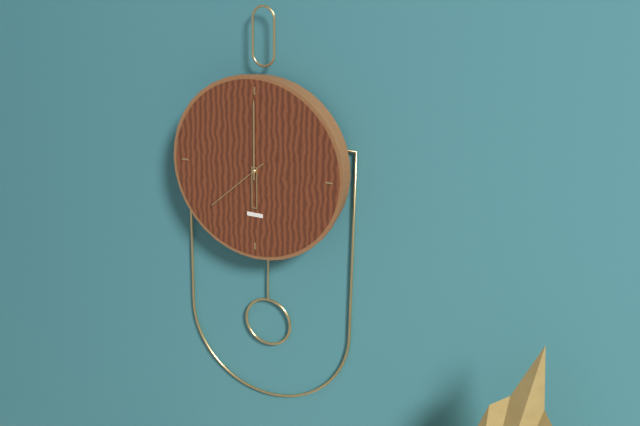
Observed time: 6h00m38s
